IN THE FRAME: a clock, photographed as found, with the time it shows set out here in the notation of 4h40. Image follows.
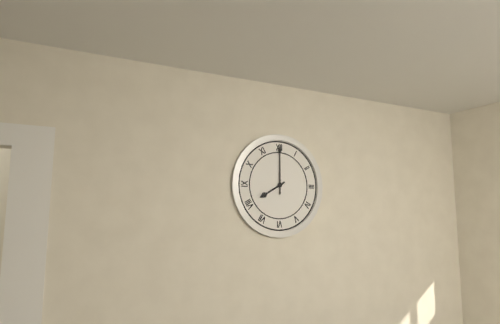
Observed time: 8h00
